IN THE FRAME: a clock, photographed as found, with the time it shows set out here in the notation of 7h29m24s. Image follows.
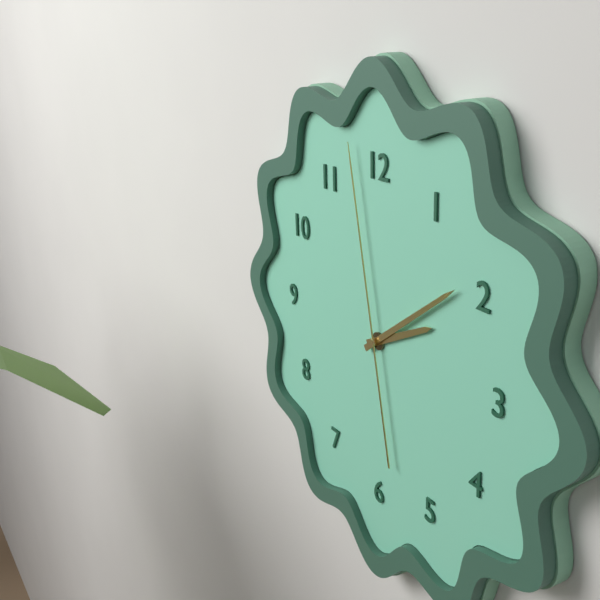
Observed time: 2h09m58s
